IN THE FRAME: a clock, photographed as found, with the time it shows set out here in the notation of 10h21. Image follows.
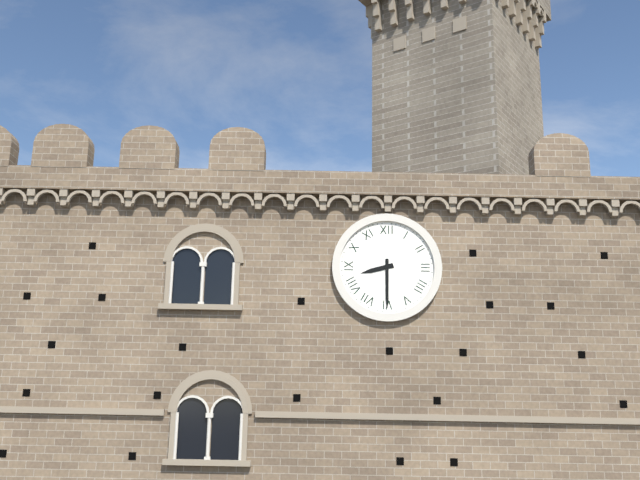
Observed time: 8h30
